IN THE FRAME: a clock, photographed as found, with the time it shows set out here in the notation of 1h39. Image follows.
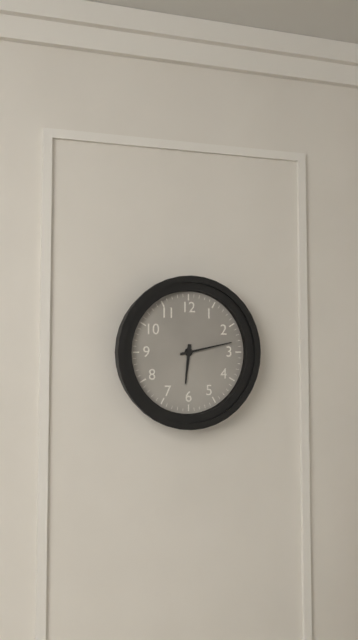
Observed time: 6h13
